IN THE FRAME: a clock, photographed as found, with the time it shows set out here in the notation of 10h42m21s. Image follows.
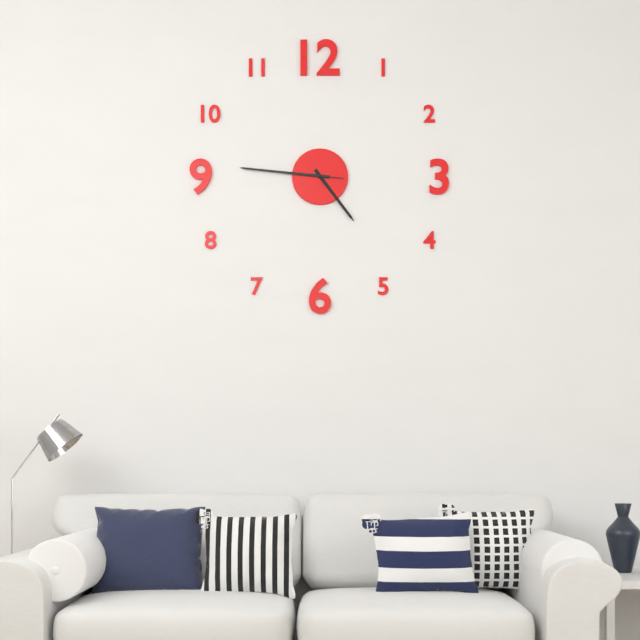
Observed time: 4h46m46s
